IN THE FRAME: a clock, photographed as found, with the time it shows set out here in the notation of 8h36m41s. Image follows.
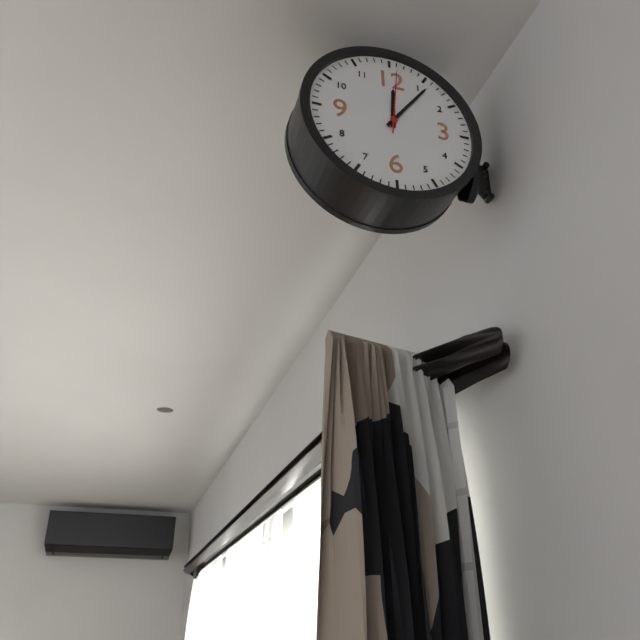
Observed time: 12h06m01s
